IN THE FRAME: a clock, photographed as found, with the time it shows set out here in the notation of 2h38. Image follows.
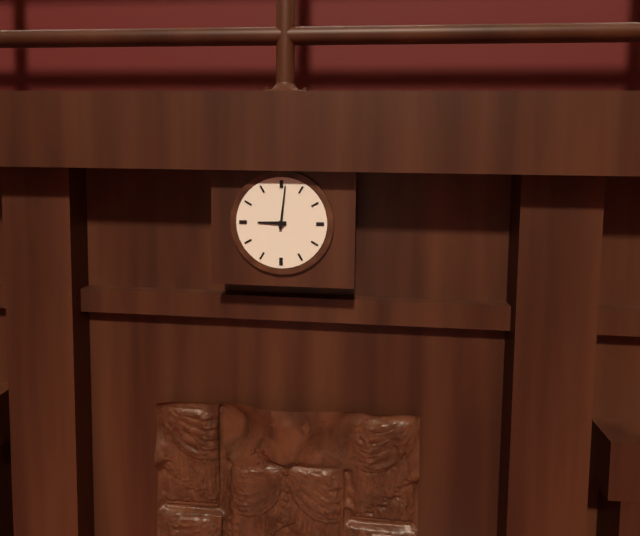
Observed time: 9h01
